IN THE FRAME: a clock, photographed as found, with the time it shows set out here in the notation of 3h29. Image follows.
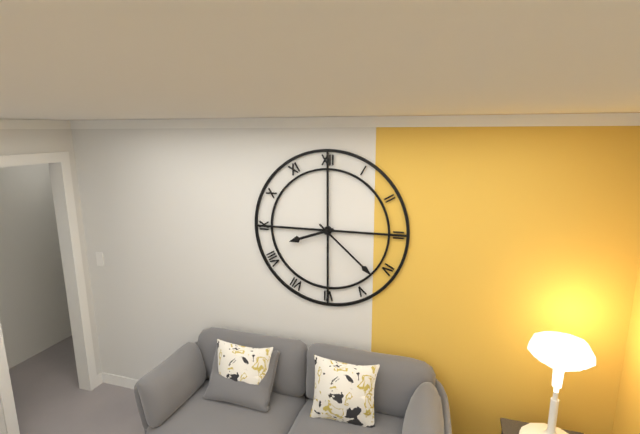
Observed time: 8h22
